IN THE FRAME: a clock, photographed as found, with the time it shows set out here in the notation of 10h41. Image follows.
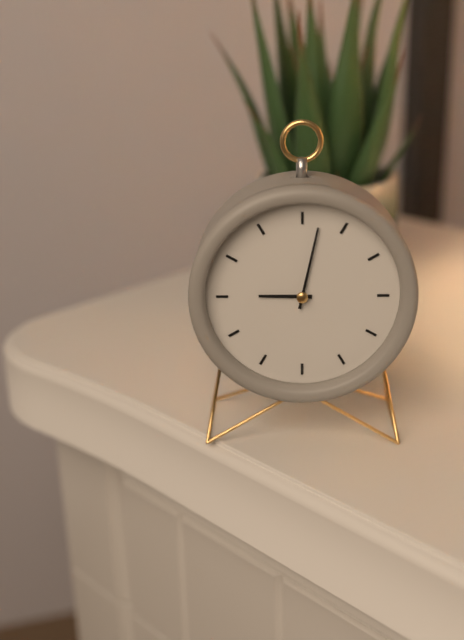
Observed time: 9h02
